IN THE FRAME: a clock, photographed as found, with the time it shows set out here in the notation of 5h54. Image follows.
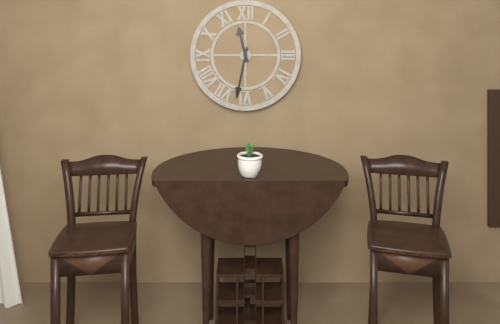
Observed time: 11h32
